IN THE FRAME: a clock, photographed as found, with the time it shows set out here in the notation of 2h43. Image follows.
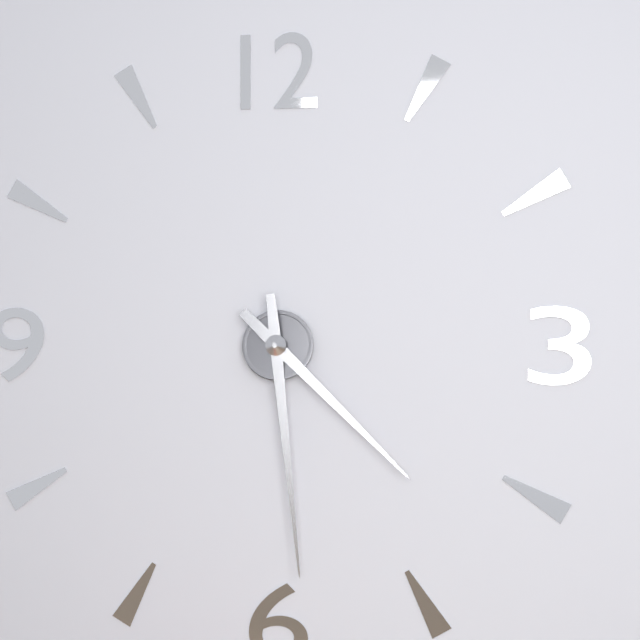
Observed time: 4h29
